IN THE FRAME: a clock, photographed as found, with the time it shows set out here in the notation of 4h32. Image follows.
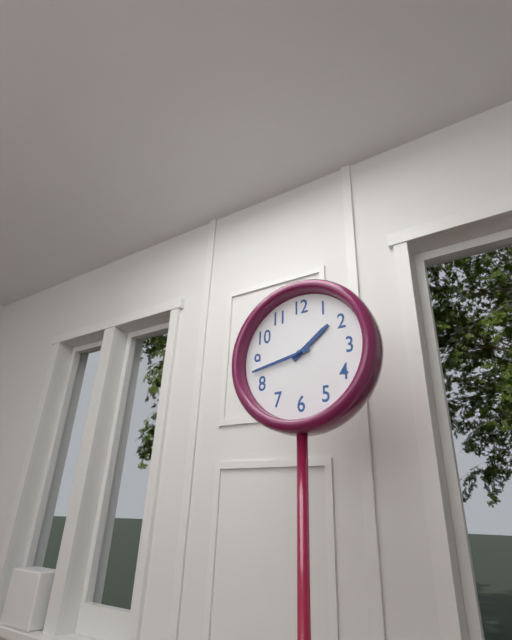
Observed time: 1h43
